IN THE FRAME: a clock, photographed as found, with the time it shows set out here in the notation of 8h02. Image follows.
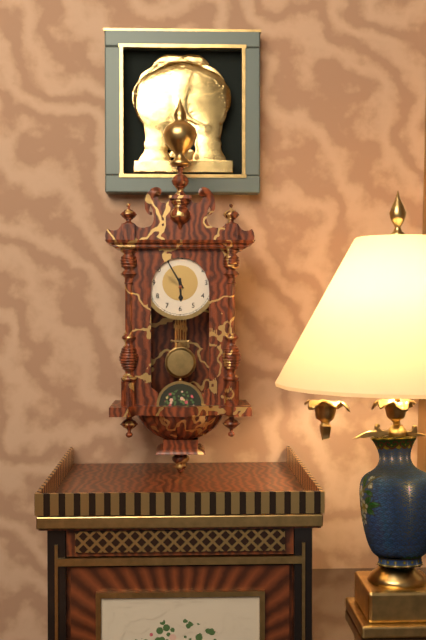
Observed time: 5h55
